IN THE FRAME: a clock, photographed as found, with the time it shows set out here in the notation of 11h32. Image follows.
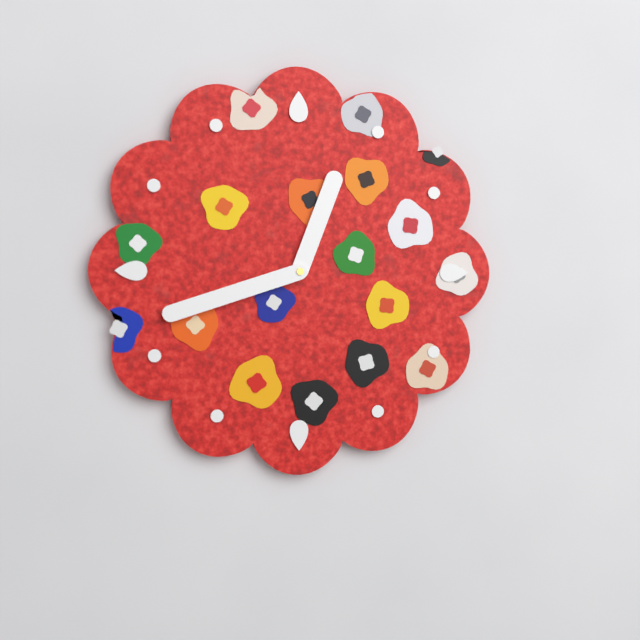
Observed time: 12h42
